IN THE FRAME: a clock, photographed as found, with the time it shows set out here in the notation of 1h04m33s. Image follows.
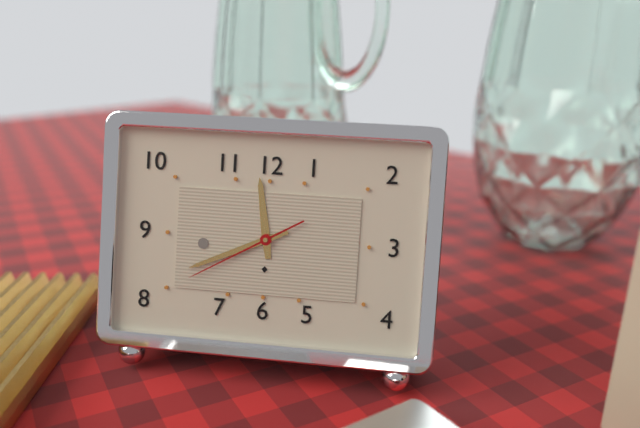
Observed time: 11h41m40s
